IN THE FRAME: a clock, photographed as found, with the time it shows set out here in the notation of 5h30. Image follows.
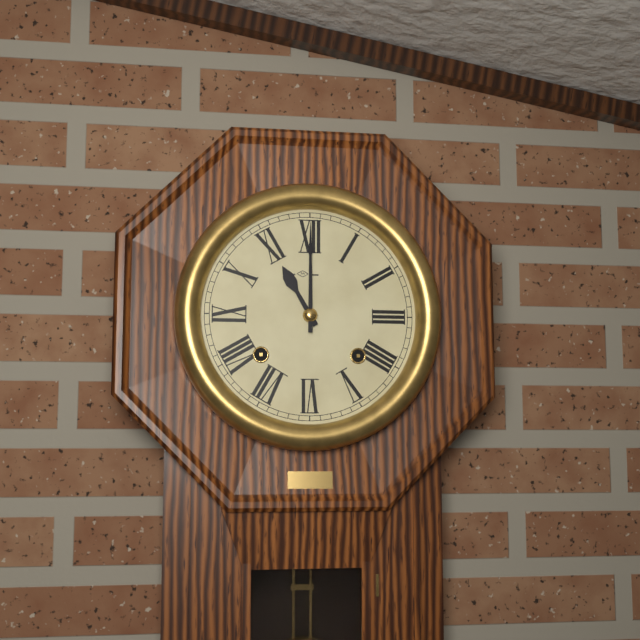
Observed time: 11h00
